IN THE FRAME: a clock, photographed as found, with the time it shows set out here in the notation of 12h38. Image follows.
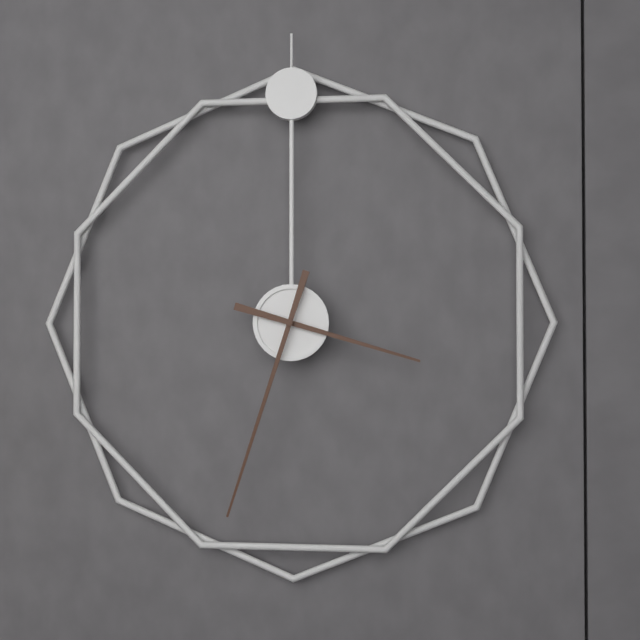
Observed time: 3h33
